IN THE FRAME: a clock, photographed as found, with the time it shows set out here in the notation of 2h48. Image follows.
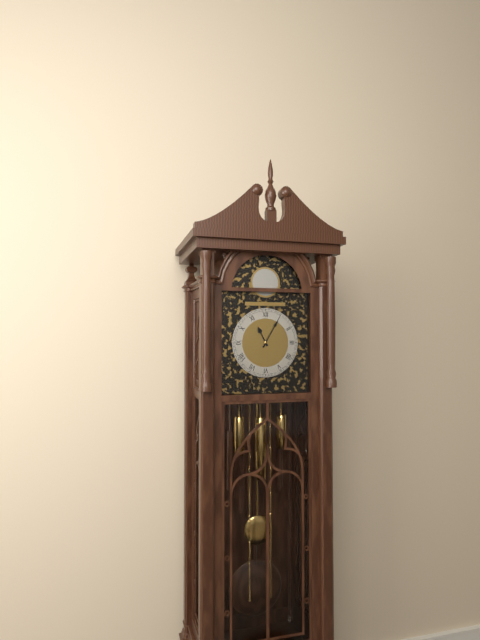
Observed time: 11h05
